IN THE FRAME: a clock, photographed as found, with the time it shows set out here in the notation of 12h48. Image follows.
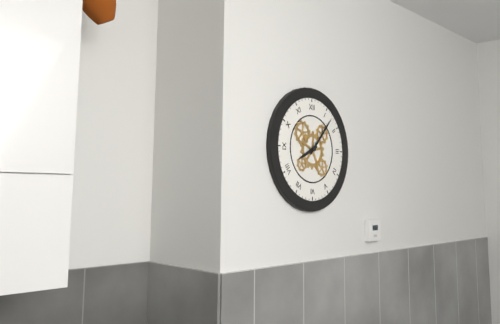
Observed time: 8h07
